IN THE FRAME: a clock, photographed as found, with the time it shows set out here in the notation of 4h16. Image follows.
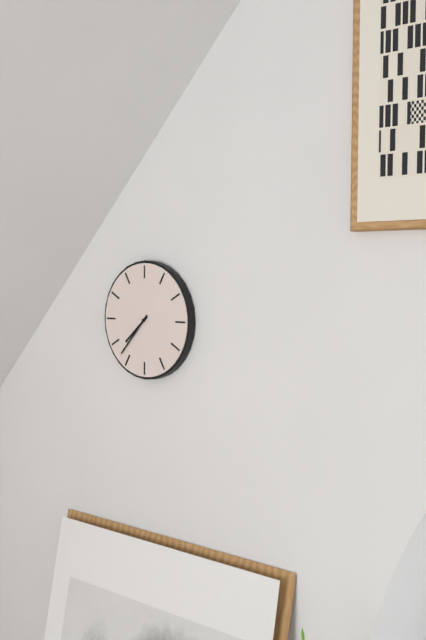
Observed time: 7h37
